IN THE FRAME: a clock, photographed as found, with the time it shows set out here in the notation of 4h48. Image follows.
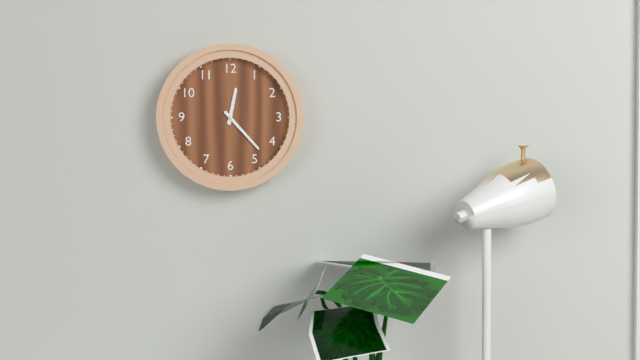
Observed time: 12h23
